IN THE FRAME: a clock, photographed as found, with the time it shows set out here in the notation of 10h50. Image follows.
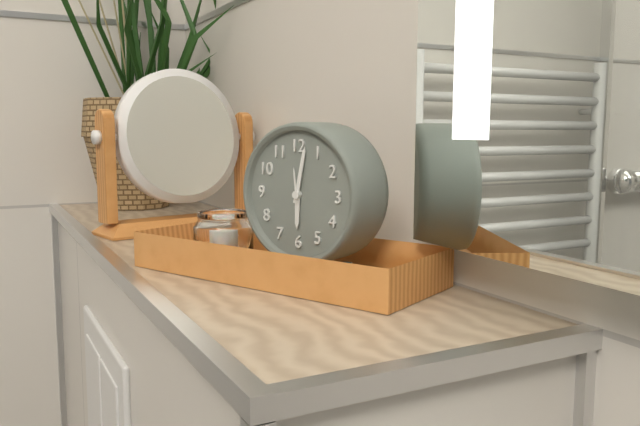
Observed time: 6h02
